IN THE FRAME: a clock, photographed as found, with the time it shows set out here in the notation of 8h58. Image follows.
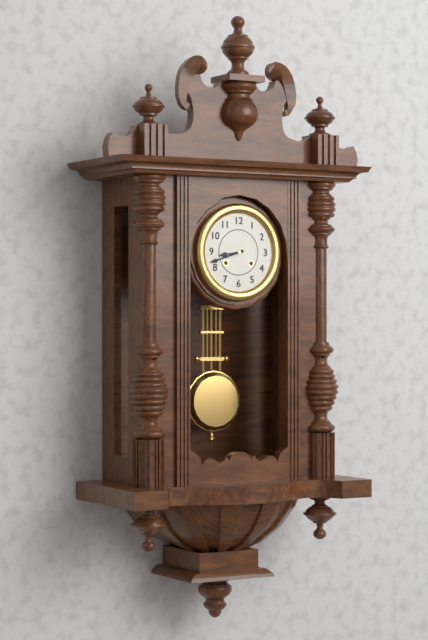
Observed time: 8h42
